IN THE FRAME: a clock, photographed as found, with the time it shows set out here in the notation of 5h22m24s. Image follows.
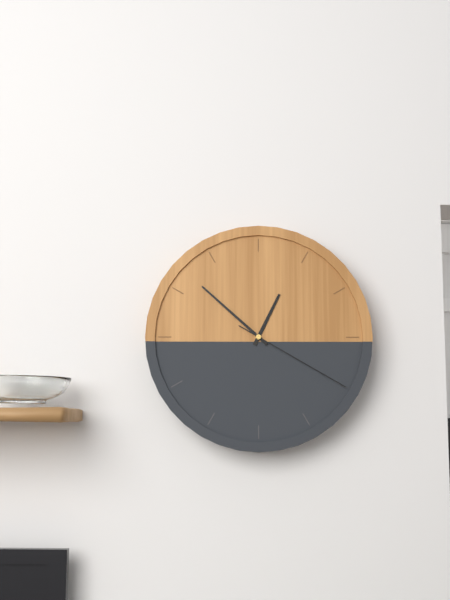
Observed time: 12h52m20s
